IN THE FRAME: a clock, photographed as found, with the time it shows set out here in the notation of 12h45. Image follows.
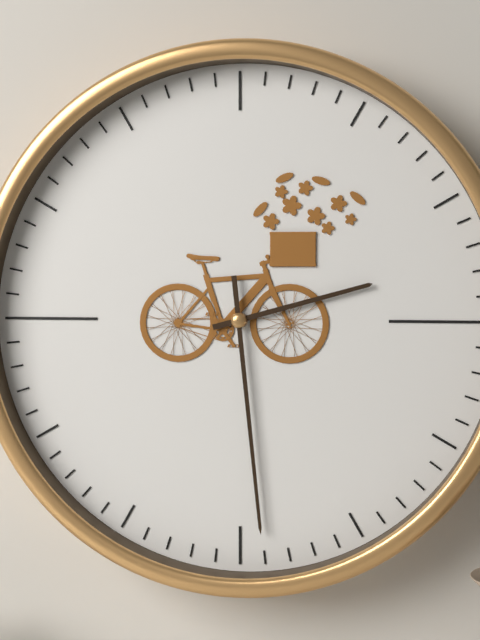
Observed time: 2h29
